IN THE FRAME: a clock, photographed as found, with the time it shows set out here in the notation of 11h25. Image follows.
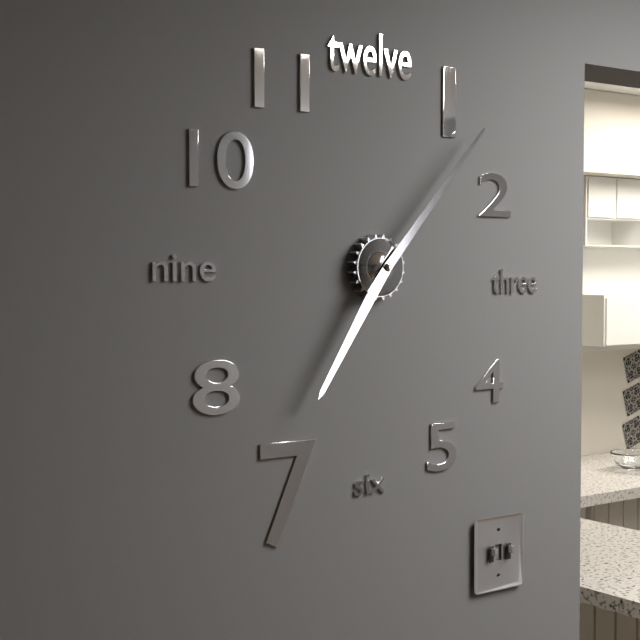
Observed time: 7h07
